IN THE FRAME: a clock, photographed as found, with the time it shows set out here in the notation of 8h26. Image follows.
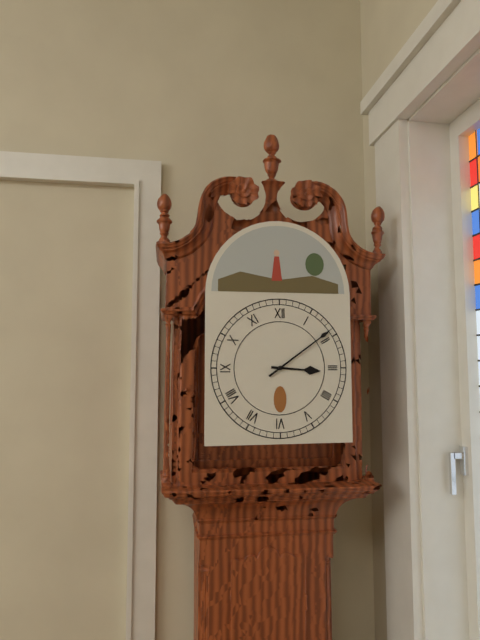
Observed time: 3h09
